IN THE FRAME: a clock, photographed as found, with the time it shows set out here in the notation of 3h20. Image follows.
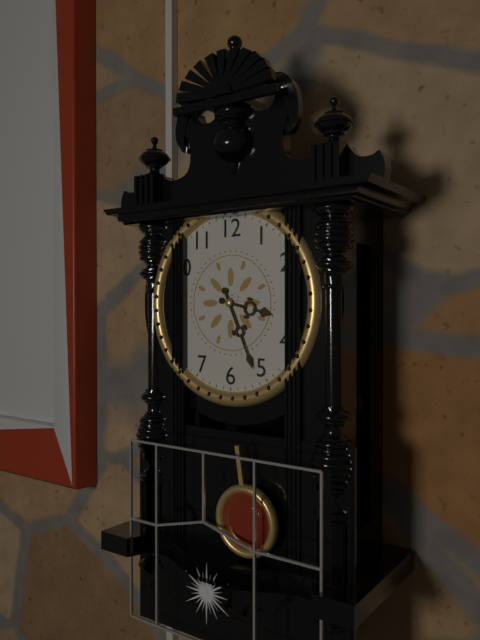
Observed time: 3h26
